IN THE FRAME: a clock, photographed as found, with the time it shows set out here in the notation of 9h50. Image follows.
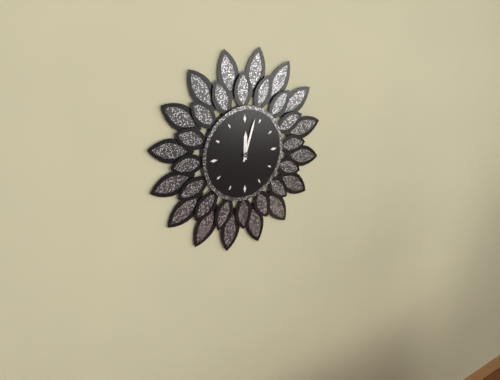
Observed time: 12h03
